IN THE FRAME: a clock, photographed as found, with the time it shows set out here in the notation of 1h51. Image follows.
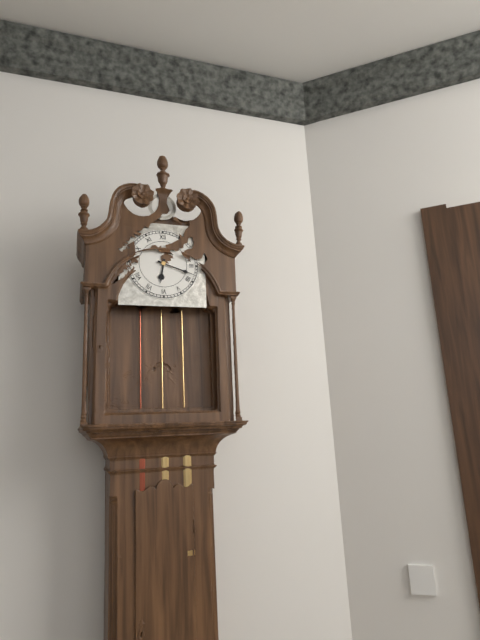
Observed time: 6h18
